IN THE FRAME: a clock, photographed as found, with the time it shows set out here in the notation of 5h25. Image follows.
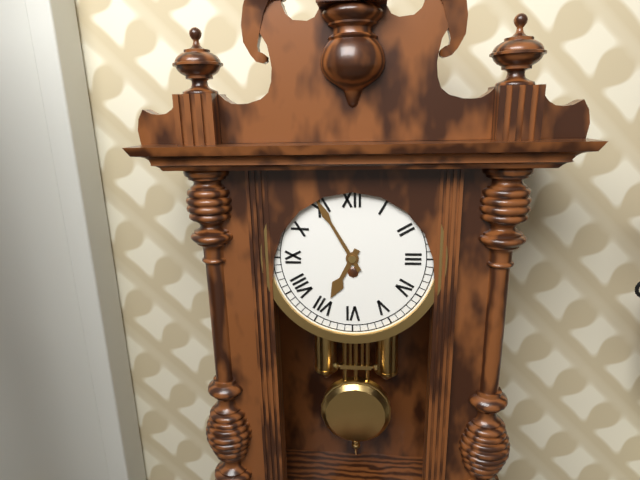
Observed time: 6h55
